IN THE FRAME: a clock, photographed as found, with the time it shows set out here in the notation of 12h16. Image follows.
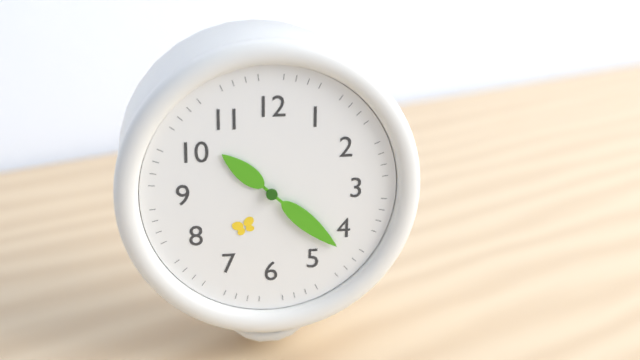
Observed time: 10h22
